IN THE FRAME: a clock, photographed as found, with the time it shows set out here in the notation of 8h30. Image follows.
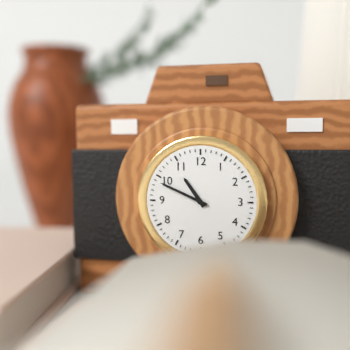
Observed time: 10h49
